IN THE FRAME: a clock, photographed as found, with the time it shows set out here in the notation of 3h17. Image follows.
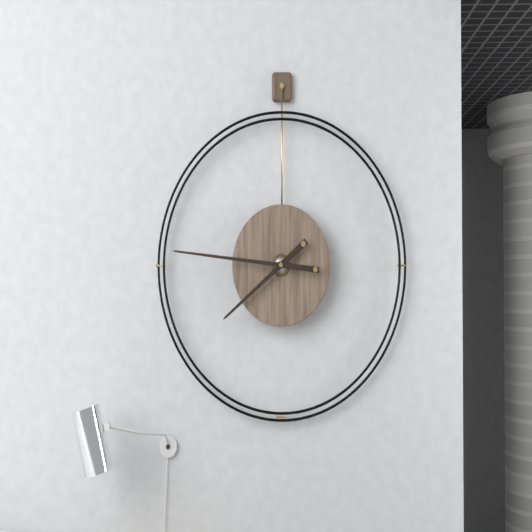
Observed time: 7h46
